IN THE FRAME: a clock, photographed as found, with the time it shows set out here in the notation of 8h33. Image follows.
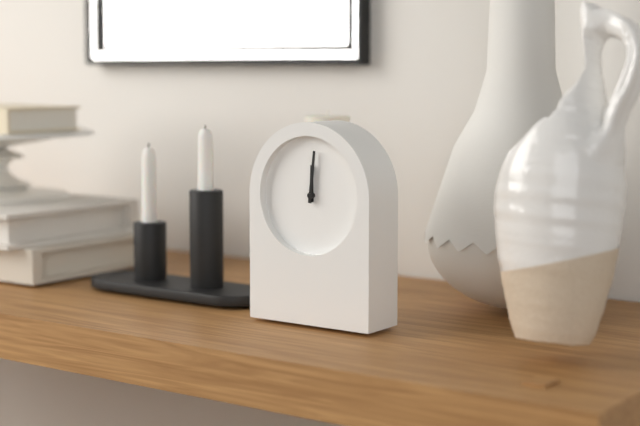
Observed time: 12h01
